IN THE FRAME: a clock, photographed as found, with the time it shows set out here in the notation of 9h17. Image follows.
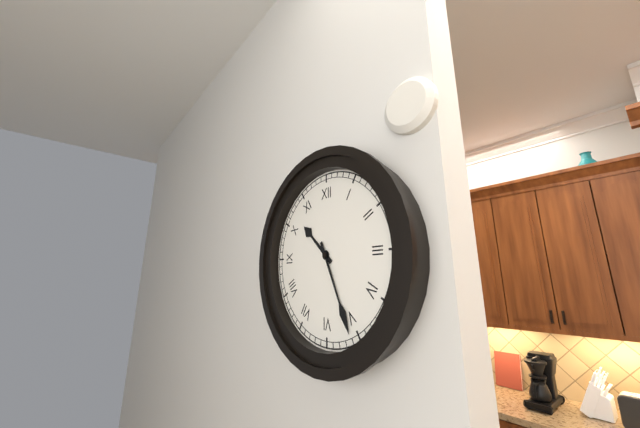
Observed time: 10h26
